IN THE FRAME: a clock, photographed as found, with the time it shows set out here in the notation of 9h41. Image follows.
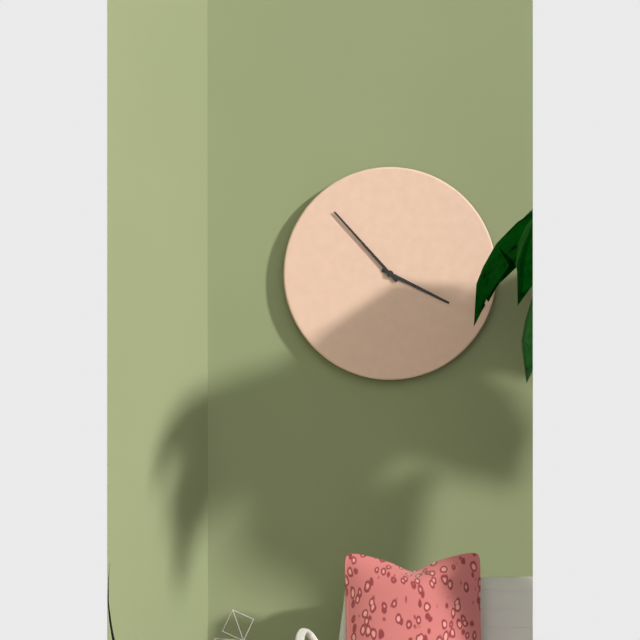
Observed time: 3h53
